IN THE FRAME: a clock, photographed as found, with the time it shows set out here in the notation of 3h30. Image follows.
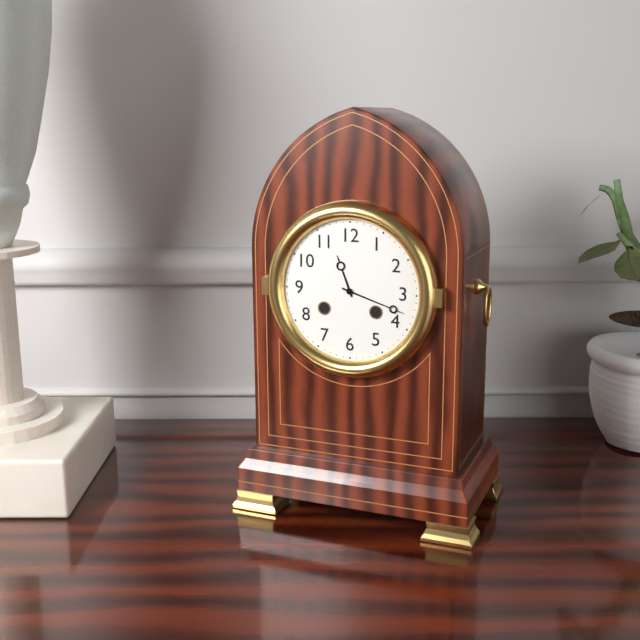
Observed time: 11h18
